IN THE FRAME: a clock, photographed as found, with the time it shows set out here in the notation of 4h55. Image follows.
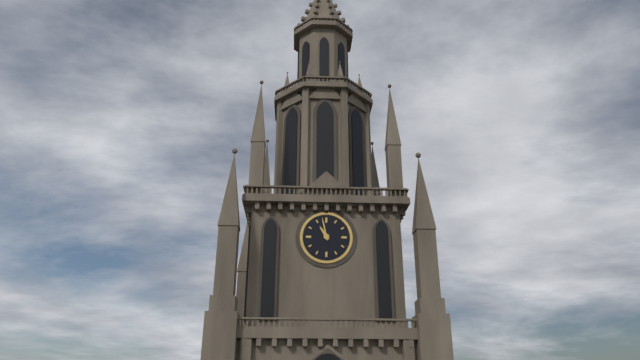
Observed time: 10h58
